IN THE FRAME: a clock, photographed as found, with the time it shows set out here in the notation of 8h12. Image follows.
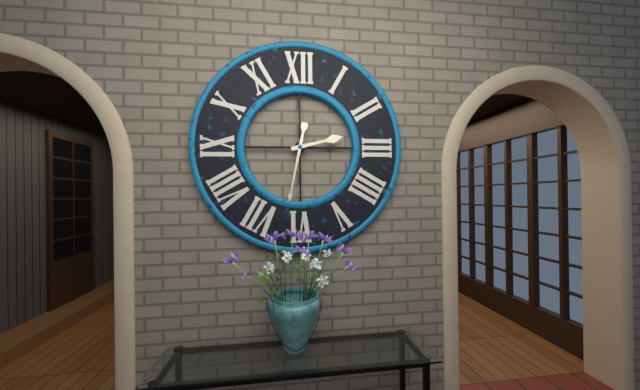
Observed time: 2h32
